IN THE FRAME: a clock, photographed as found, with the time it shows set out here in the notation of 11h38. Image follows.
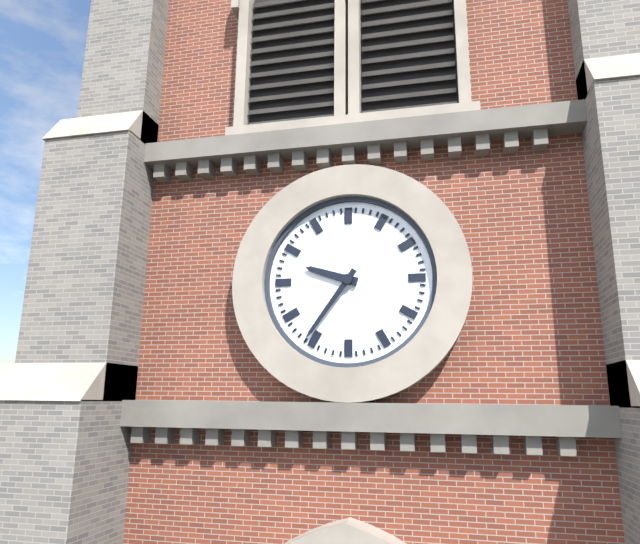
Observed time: 9h36
